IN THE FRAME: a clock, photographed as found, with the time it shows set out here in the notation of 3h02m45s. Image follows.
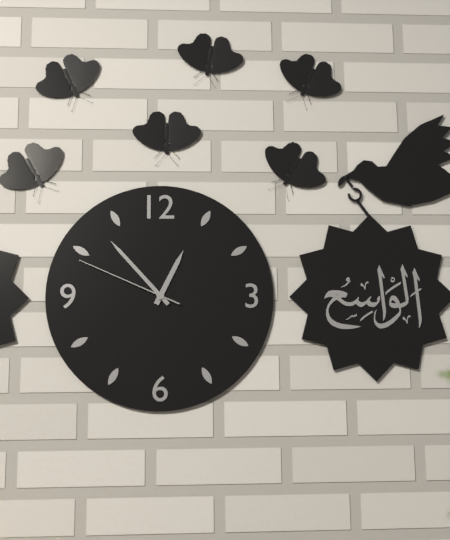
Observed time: 12h53m49s
